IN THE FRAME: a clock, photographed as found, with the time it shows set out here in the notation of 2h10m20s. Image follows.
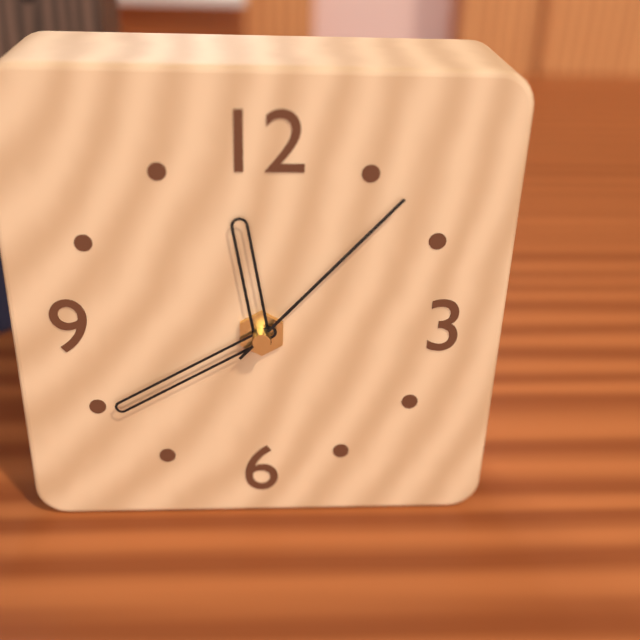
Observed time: 11h40m07s
